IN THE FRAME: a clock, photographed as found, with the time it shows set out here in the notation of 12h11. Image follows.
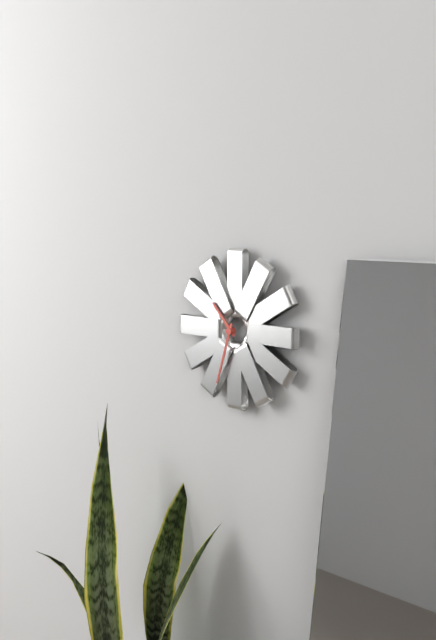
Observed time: 10h33
